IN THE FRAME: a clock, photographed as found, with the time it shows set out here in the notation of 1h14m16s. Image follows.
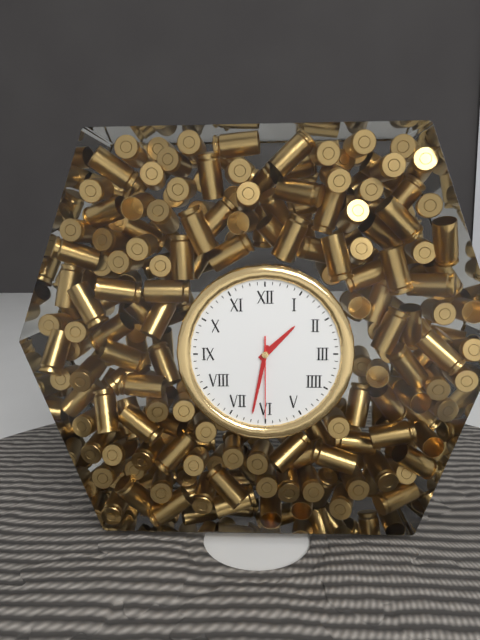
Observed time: 1h32m30s
